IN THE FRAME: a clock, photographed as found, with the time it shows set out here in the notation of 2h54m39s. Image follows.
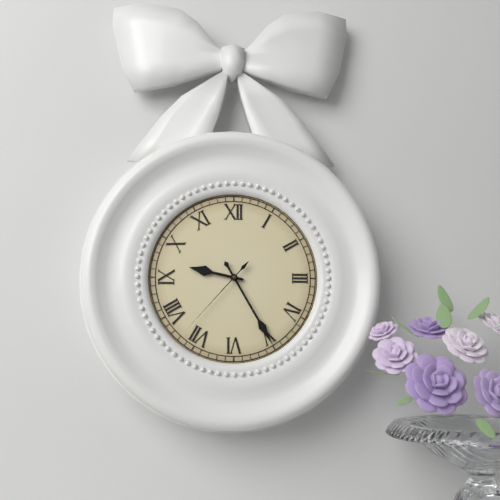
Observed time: 9h25m37s
